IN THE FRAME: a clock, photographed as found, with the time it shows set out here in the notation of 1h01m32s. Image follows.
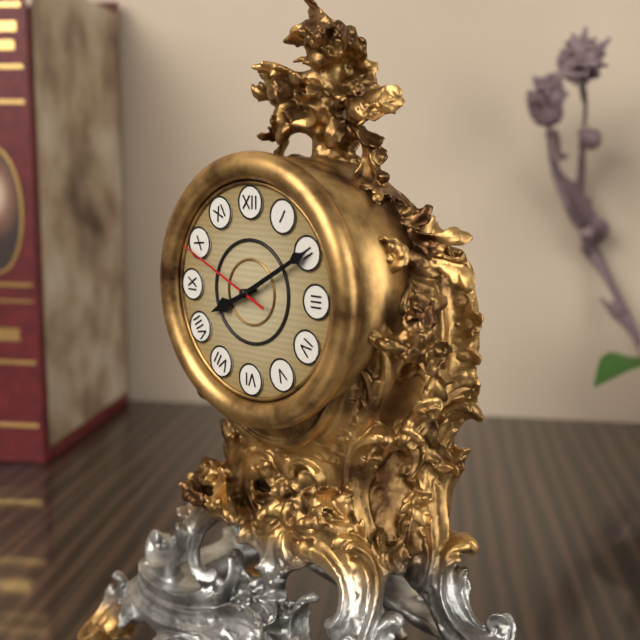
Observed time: 8h10m49s
